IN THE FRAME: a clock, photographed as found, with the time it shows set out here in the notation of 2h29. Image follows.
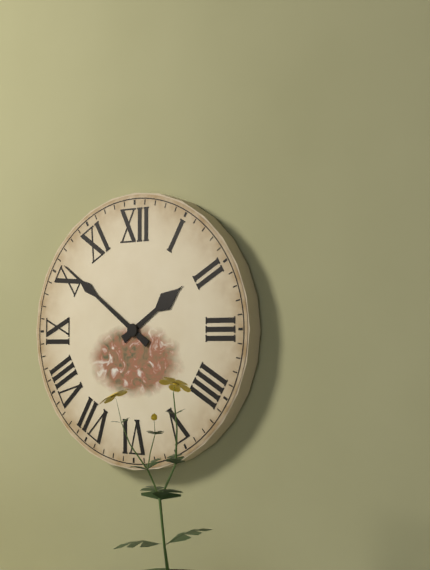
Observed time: 1h51
